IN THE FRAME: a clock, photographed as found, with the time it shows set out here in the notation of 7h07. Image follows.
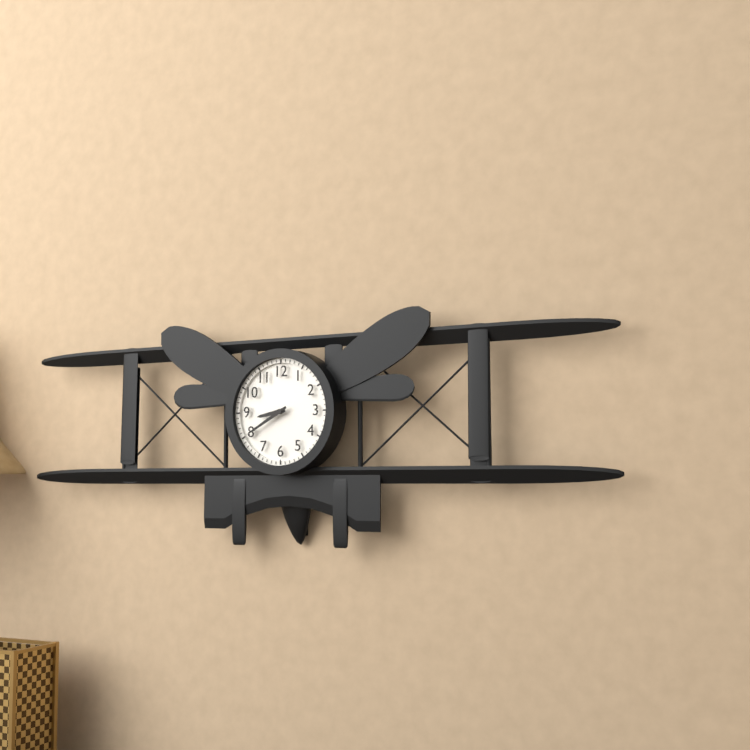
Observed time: 8h40
